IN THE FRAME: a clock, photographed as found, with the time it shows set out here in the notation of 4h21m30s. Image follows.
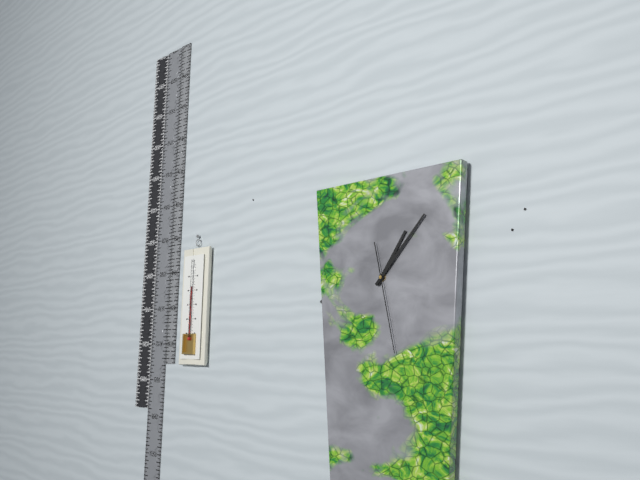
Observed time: 1h07m28s
